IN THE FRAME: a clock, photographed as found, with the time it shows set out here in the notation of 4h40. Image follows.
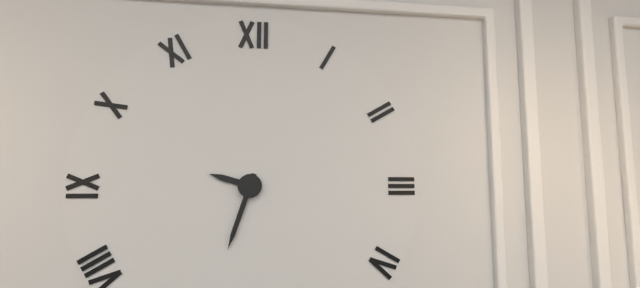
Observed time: 9h33
